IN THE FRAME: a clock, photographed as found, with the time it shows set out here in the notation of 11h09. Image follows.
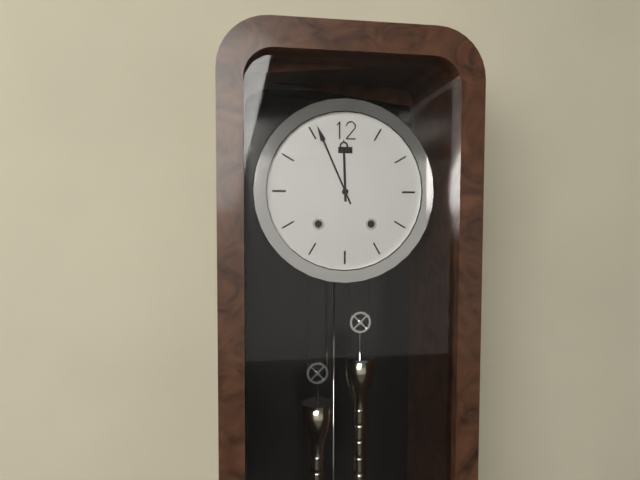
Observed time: 11h56
